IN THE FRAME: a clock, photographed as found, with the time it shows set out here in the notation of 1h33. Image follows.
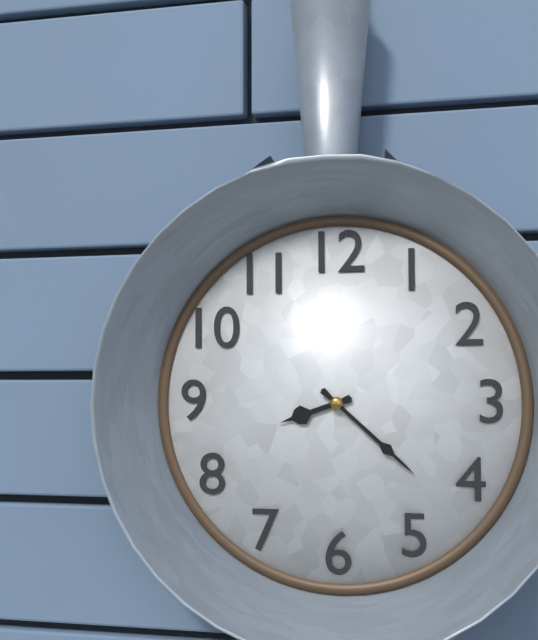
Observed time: 8h22
